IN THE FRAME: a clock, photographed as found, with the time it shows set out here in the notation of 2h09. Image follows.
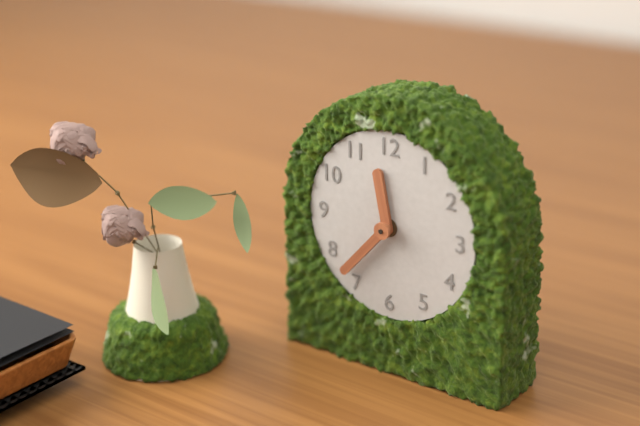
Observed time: 11h37
